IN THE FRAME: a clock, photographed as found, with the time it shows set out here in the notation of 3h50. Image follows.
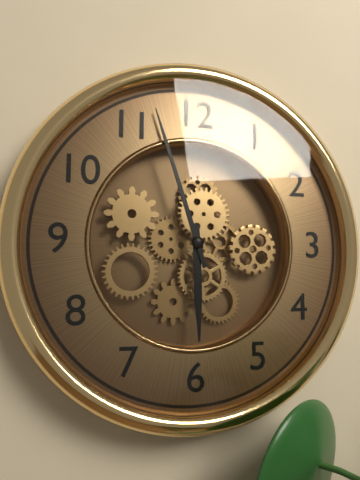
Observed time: 5h57
